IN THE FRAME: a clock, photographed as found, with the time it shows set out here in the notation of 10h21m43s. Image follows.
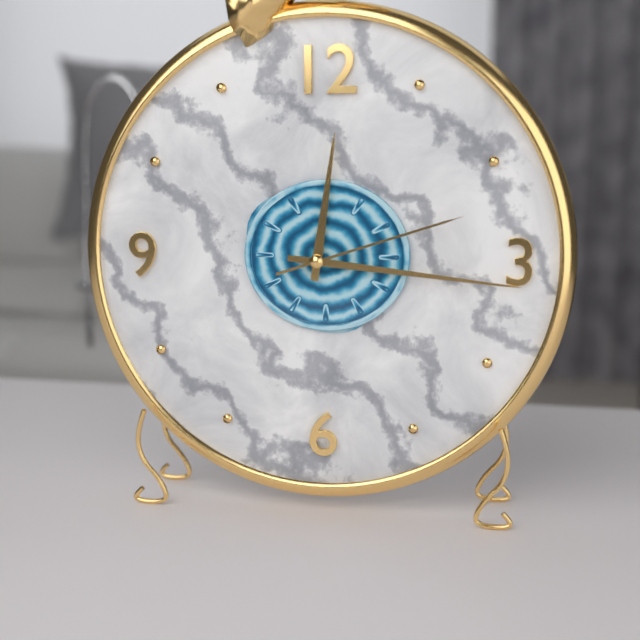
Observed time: 12h16m12s
